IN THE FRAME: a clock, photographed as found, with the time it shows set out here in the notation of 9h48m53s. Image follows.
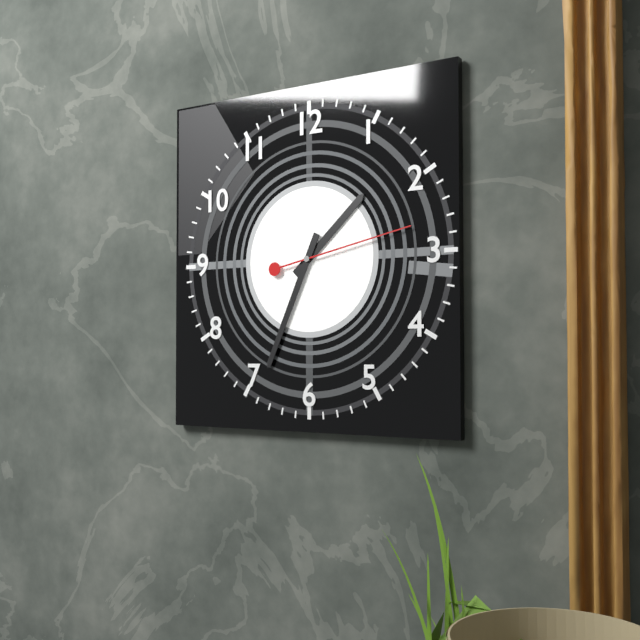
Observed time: 1h34m13s
